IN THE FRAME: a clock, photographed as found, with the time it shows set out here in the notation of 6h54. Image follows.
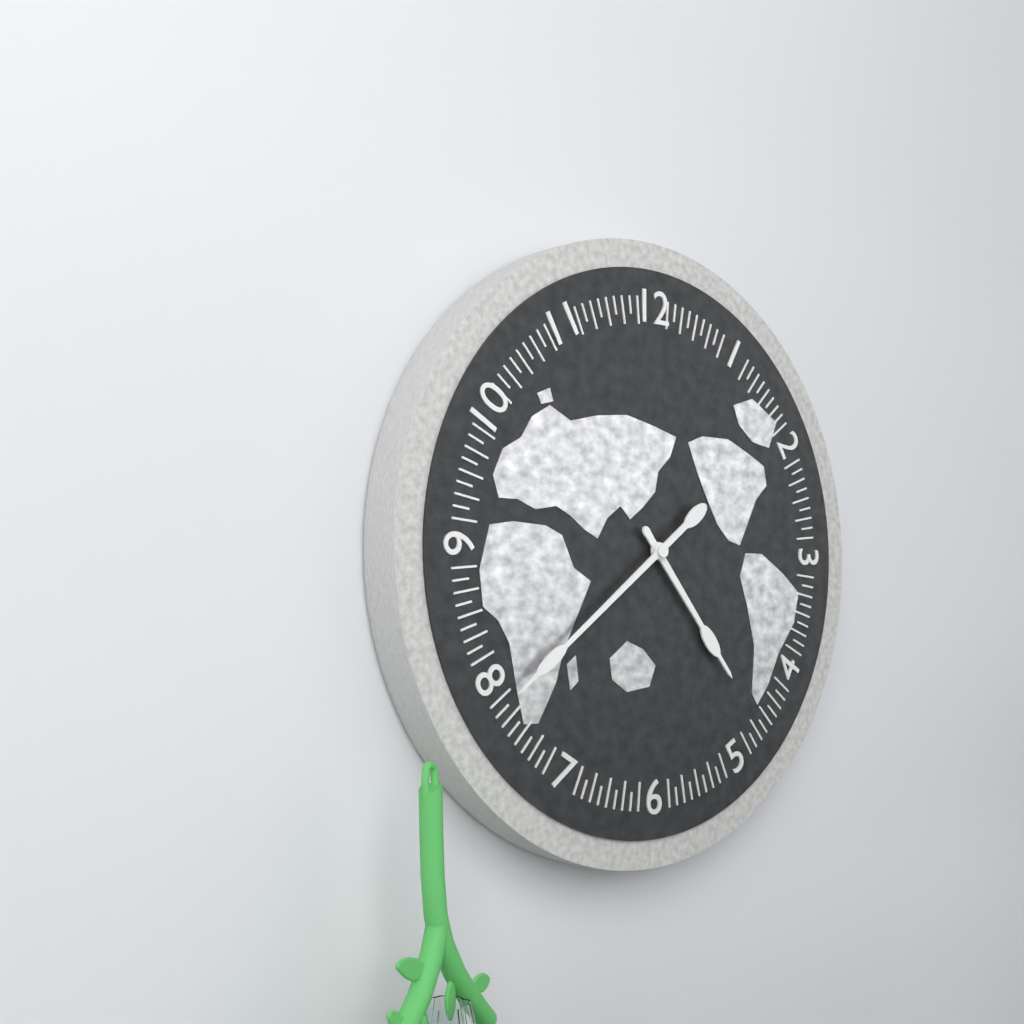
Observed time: 4h39
